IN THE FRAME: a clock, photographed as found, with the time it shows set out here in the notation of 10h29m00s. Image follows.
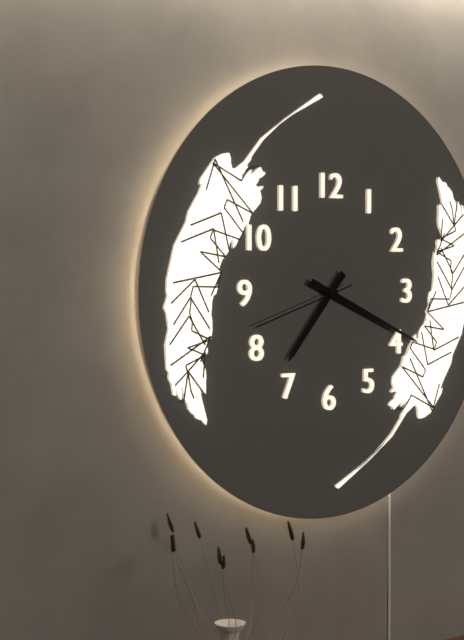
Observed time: 7h19m42s
